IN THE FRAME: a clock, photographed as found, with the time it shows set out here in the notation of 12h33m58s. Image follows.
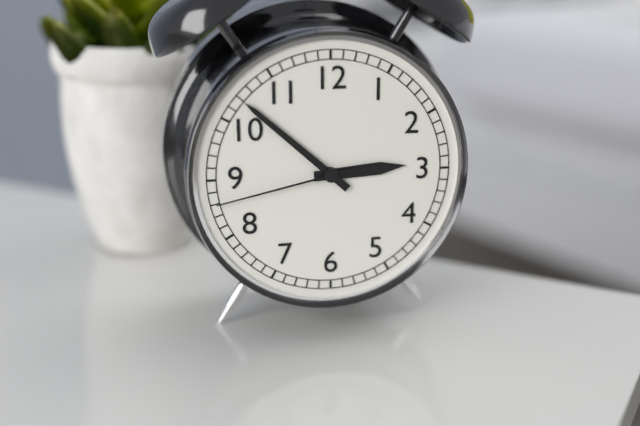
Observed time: 2h52m43s
